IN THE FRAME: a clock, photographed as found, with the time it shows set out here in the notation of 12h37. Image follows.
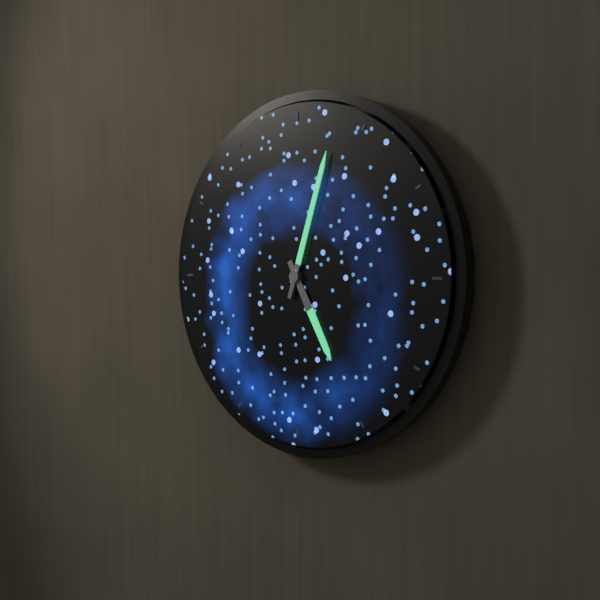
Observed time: 5h03
